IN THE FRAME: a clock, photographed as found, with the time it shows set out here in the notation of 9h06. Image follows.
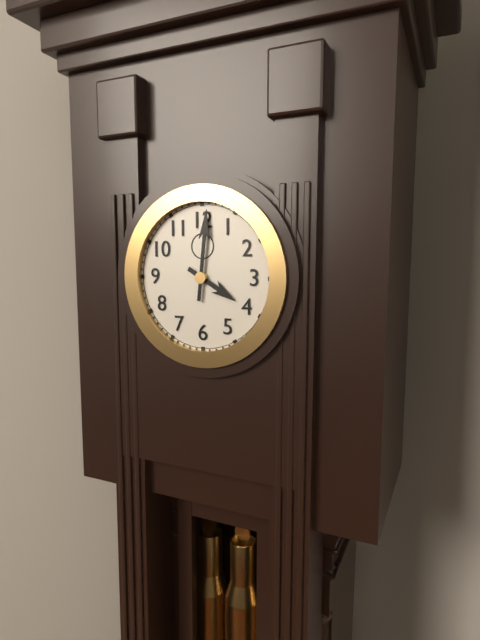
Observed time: 4h01
